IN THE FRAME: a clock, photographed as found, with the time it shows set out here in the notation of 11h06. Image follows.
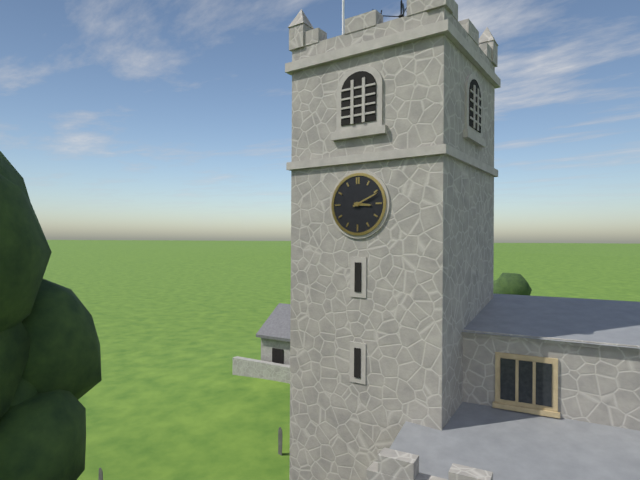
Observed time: 3h11
